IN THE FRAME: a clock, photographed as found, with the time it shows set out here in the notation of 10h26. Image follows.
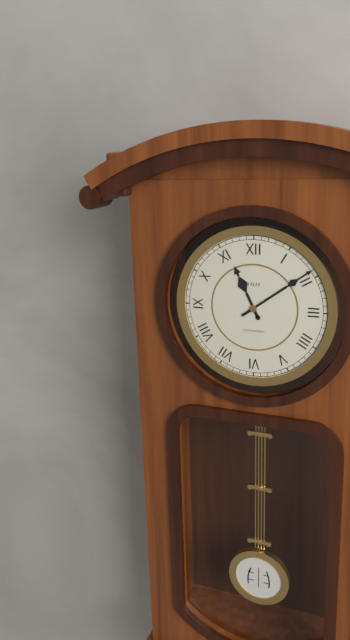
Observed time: 11h09
